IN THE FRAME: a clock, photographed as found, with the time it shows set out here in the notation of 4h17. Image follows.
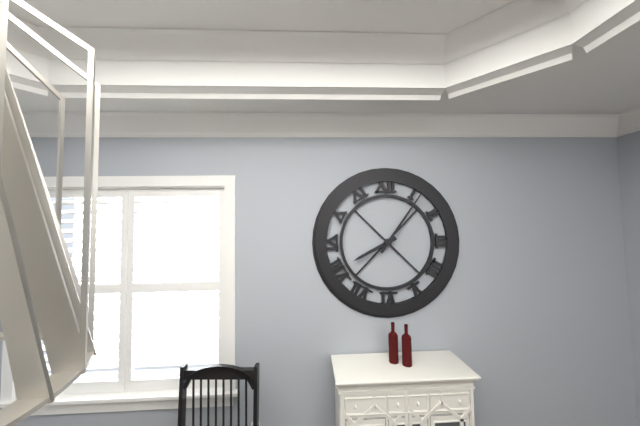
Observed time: 8h06
